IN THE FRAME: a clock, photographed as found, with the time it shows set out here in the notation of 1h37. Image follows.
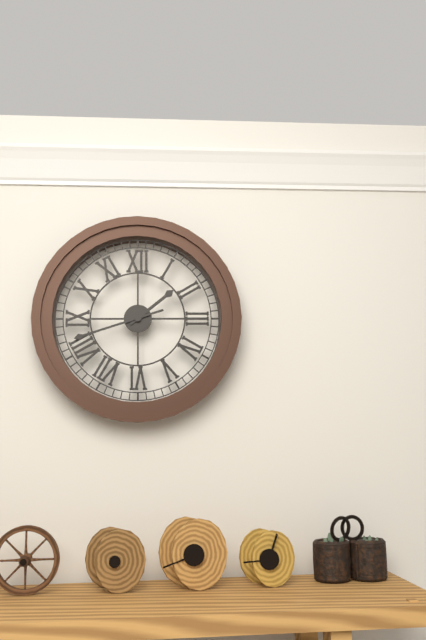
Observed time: 1h42
